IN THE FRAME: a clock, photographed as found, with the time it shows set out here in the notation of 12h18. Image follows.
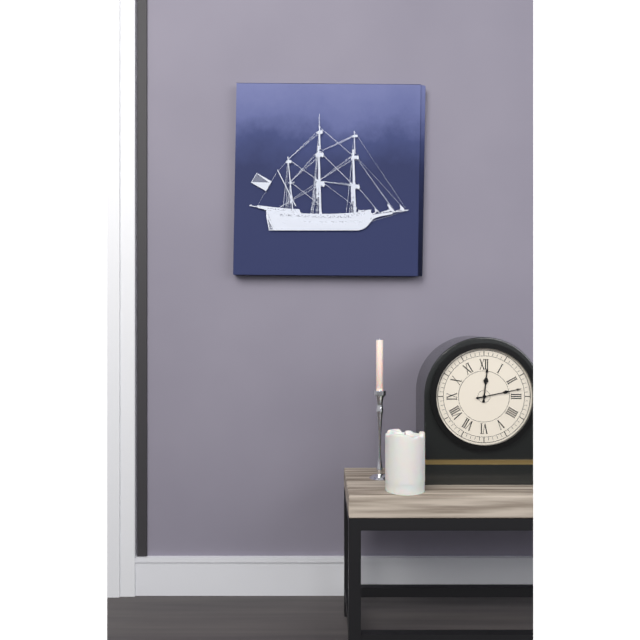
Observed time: 12h13
